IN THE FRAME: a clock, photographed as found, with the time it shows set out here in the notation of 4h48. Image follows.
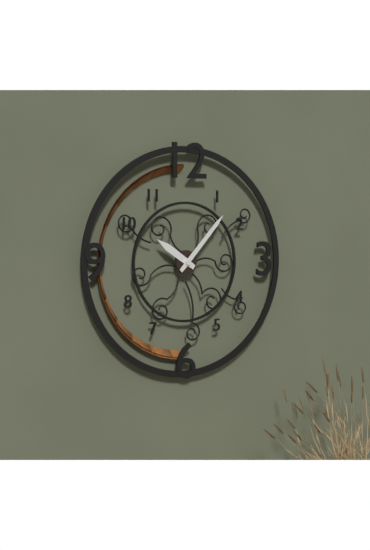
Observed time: 10h07
